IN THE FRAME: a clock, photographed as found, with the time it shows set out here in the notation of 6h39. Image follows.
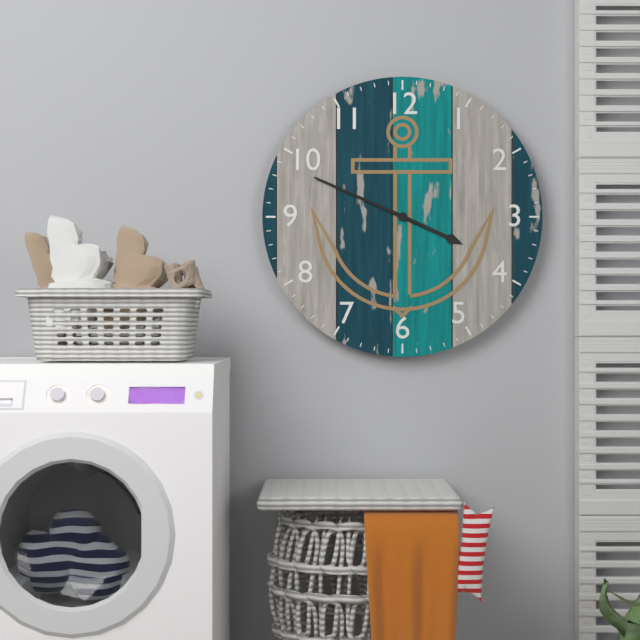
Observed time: 3h49
